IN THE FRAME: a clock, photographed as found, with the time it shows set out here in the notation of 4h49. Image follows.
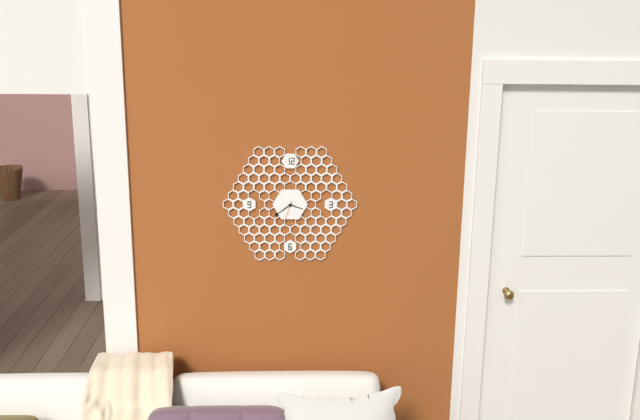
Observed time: 3h39
